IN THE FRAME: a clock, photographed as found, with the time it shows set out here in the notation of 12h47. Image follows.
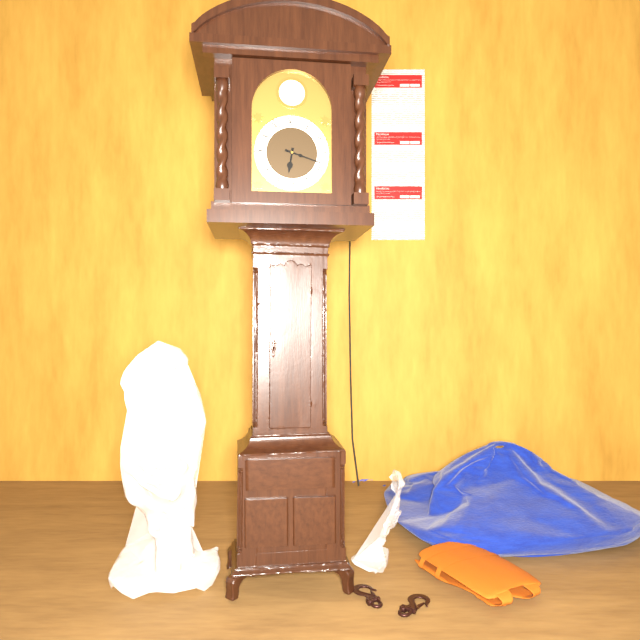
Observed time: 6h18
